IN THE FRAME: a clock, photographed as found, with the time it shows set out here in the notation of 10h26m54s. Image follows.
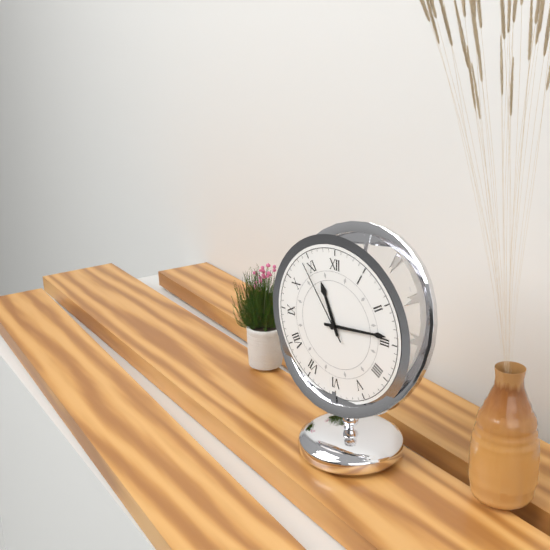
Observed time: 11h14m54s
